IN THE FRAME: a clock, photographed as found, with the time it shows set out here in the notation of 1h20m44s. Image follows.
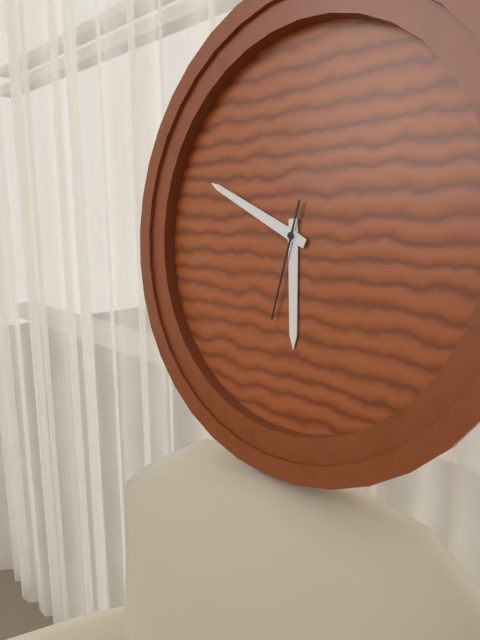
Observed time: 5h49m32s
